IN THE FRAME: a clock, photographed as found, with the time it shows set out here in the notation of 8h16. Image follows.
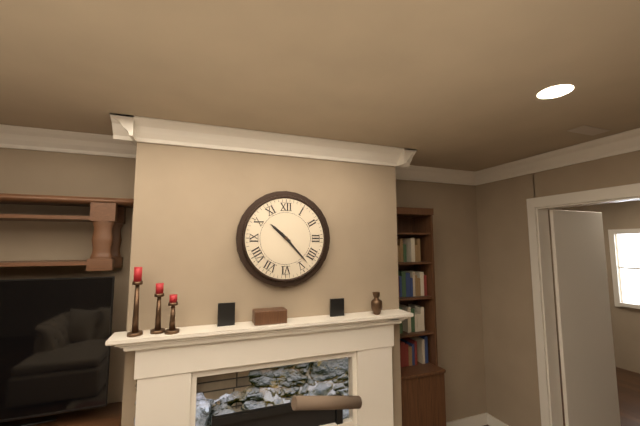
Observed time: 10h23
